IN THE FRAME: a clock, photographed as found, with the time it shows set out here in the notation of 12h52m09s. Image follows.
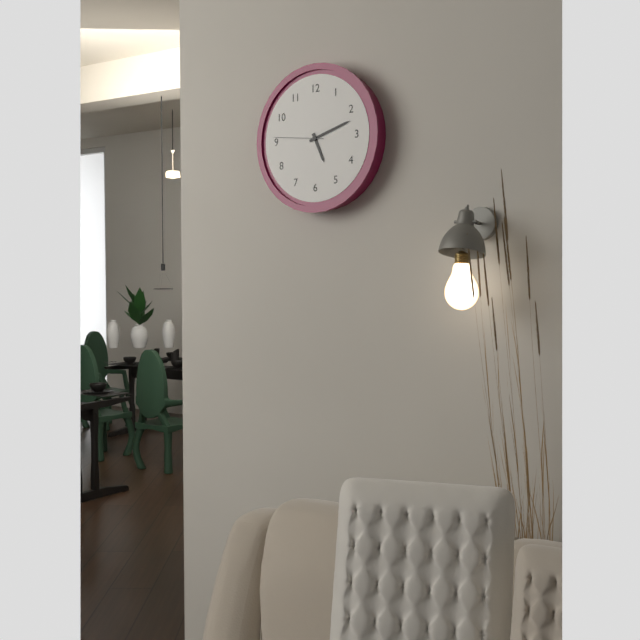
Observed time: 5h12m46s
